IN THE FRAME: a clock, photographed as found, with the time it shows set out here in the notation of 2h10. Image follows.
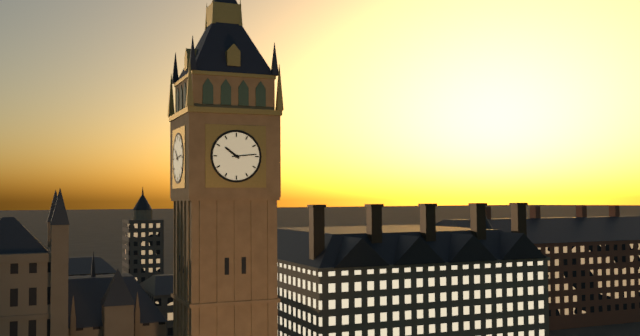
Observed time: 10h14
